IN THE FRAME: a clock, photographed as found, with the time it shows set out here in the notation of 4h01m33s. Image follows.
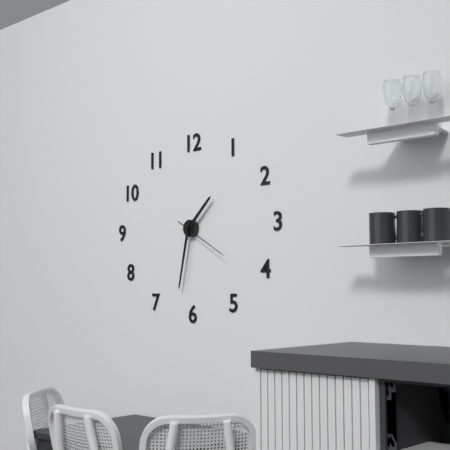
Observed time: 1h32m20s
